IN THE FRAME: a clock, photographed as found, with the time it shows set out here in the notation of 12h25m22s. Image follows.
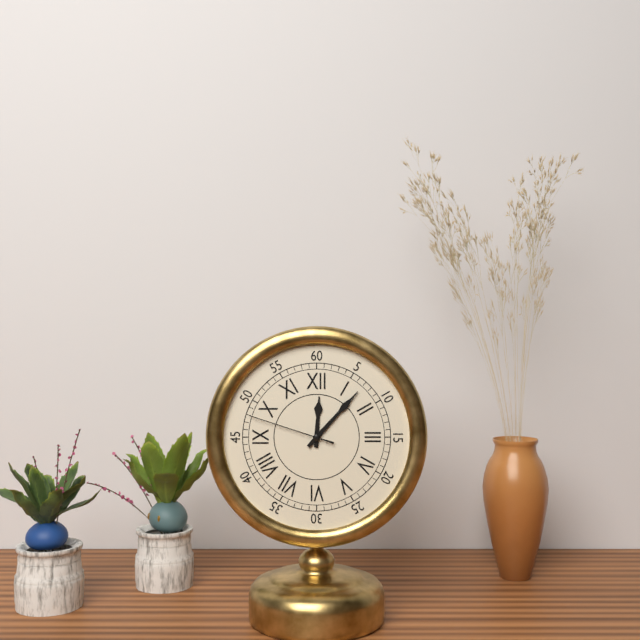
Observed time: 12h07m48s
